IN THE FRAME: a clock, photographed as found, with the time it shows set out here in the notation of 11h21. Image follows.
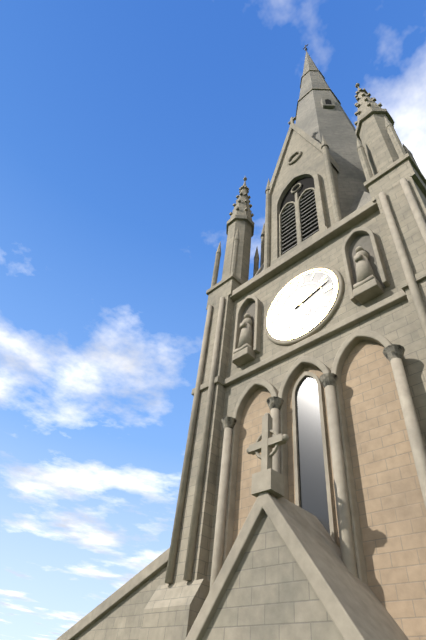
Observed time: 5h12
